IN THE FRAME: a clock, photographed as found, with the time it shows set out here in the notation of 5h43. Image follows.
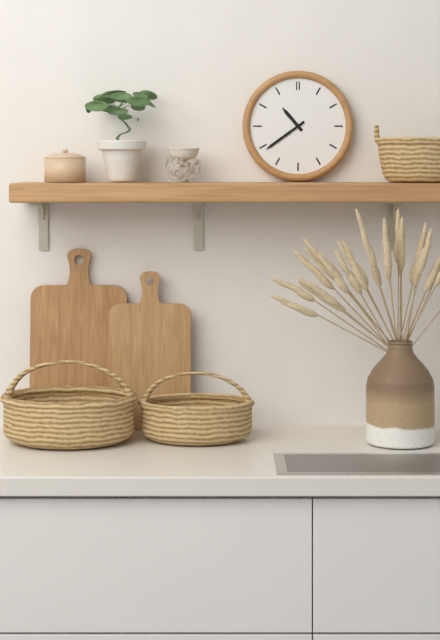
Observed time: 10h39
